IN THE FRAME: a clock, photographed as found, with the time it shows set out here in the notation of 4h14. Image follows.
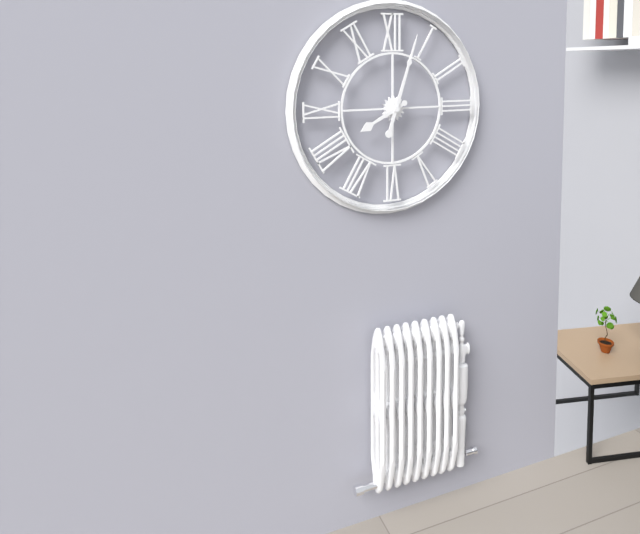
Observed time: 8h03
